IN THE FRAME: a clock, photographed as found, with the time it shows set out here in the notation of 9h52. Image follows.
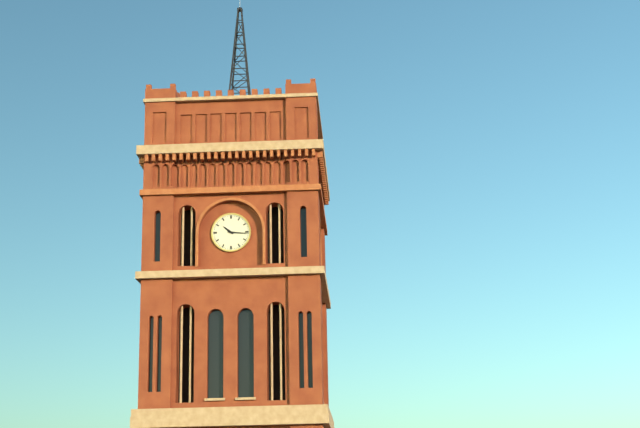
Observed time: 10h16
